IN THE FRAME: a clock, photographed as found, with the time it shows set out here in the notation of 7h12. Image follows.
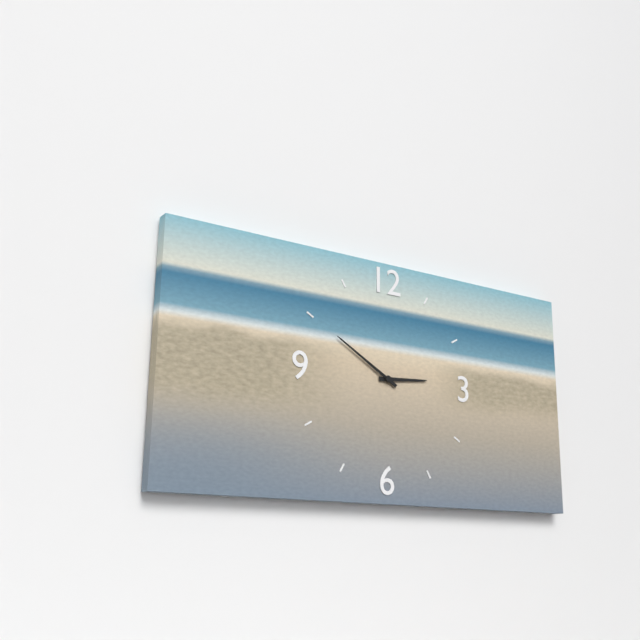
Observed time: 2h50
